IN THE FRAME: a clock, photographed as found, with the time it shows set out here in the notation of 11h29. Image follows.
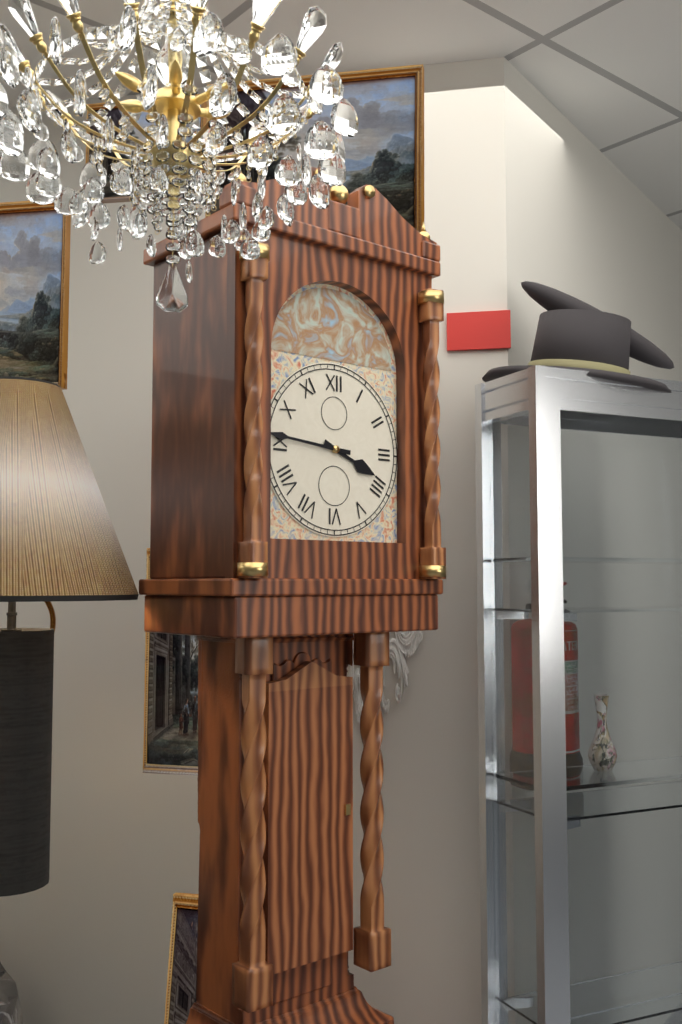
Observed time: 3h46
